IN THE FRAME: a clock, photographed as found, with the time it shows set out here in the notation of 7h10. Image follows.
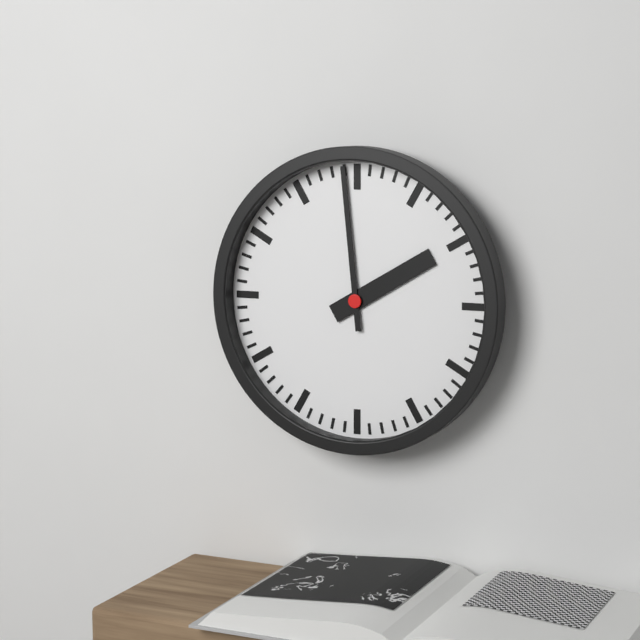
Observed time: 1h59
